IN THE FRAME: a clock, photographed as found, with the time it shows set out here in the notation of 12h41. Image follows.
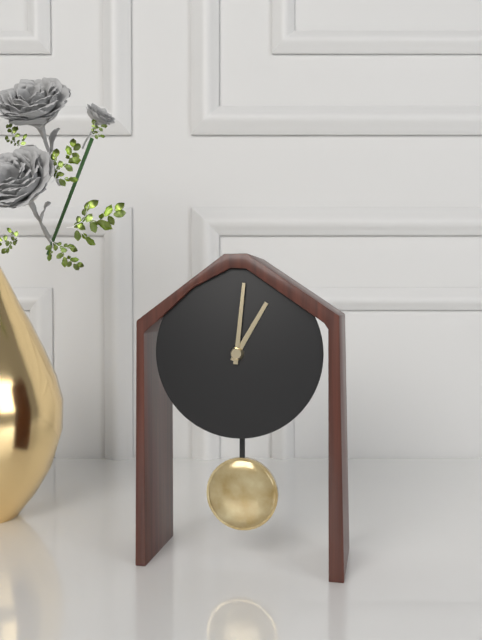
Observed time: 1h01
